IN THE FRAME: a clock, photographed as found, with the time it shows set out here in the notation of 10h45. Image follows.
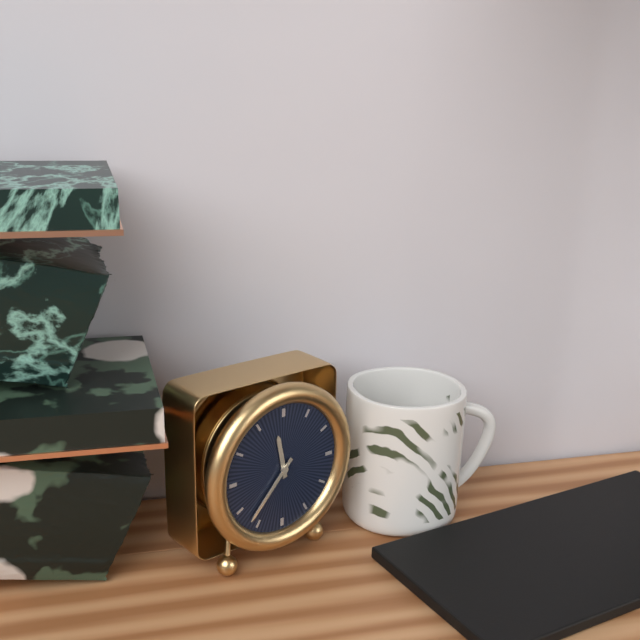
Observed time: 11h37
